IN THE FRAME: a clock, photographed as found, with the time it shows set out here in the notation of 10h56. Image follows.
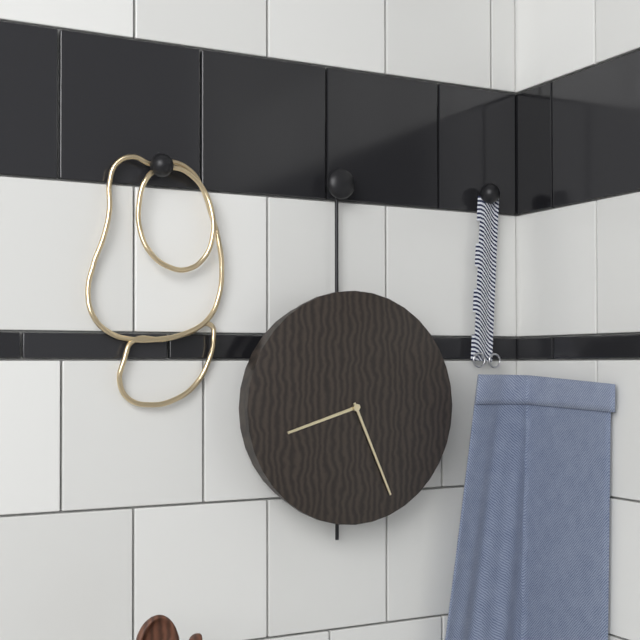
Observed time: 8h26
